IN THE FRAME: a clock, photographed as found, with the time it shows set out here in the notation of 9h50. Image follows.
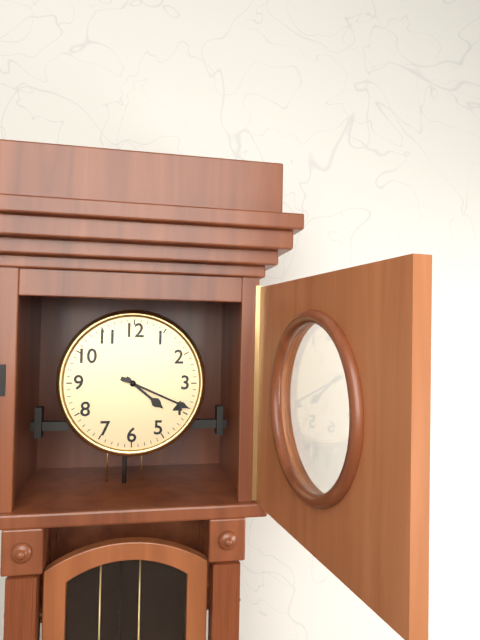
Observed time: 4h19
